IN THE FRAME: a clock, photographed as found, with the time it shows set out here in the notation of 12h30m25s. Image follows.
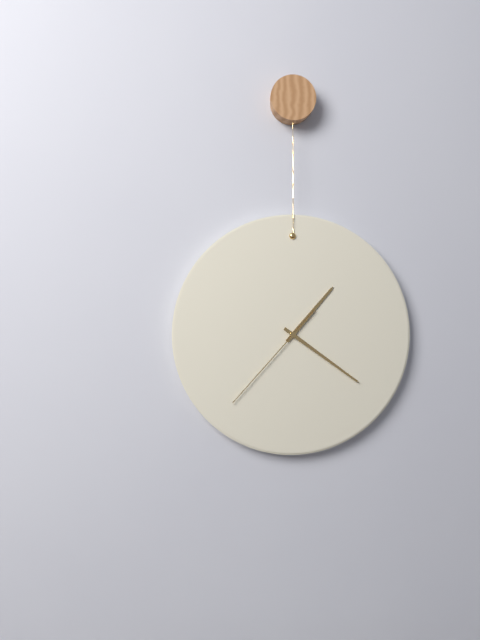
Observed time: 1h21m37s
